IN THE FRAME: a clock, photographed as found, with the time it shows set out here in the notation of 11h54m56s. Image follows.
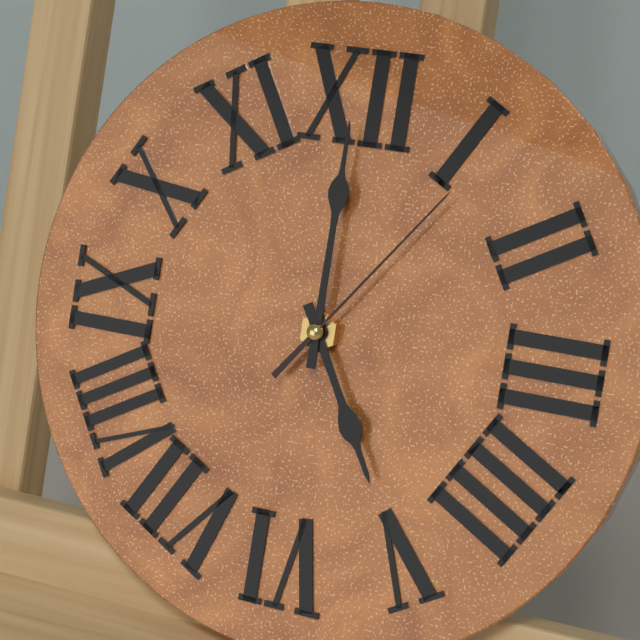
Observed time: 5h00m06s
